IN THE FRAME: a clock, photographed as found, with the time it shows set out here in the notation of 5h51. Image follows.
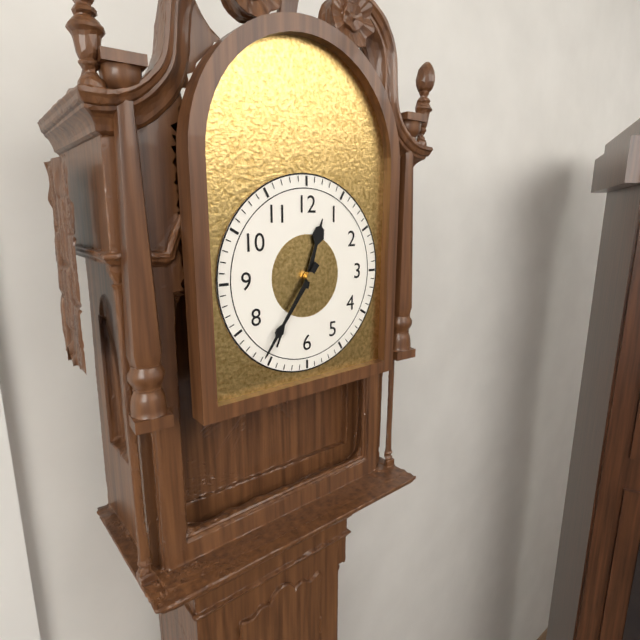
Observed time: 12h36
